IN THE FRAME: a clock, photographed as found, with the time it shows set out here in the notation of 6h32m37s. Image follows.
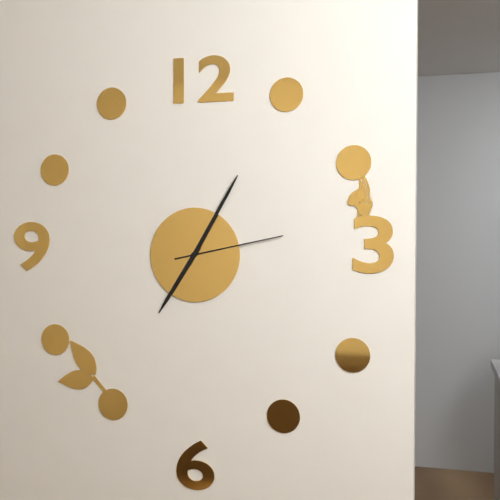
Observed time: 7h05m13s
